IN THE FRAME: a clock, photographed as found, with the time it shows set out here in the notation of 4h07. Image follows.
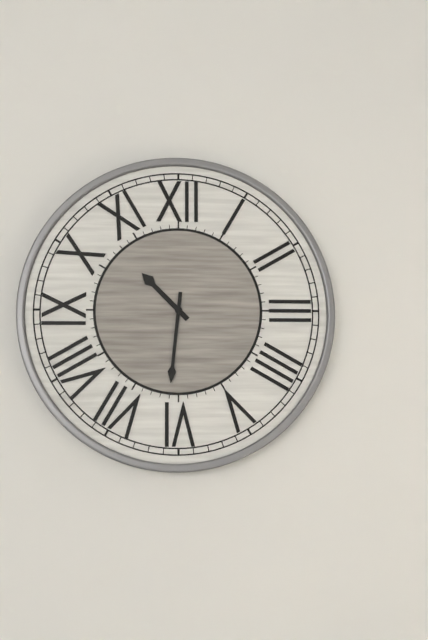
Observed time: 10h31
